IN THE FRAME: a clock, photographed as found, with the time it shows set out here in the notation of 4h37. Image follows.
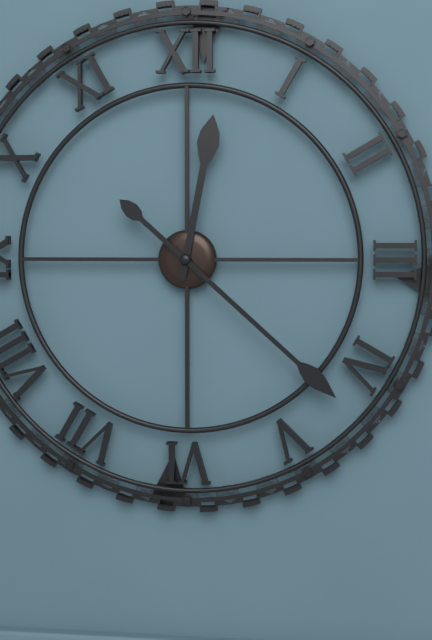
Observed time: 12h22
